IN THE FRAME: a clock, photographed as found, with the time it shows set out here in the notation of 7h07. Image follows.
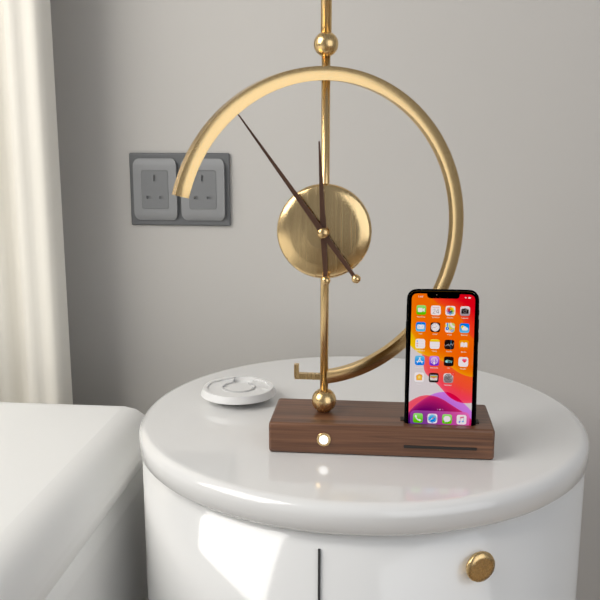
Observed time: 11h54
